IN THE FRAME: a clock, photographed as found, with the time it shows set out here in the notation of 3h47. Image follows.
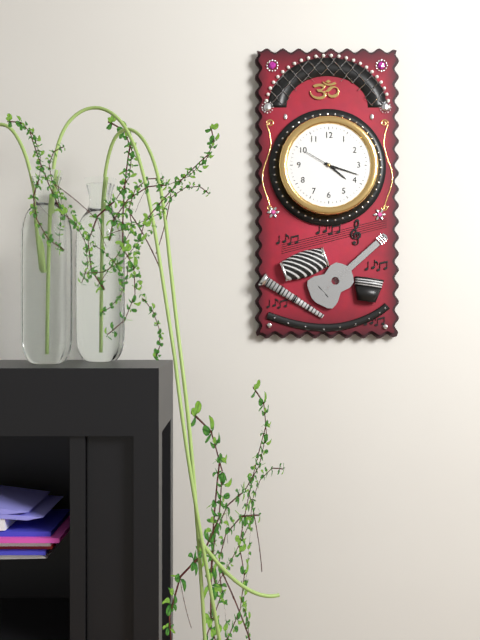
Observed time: 4h18
